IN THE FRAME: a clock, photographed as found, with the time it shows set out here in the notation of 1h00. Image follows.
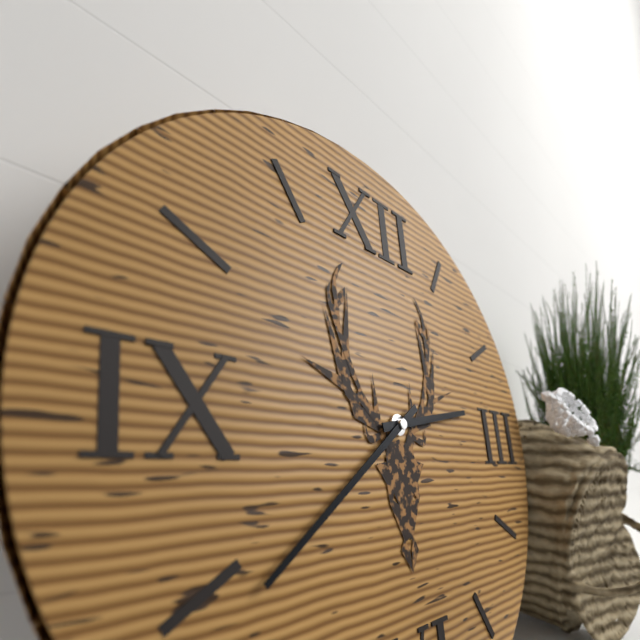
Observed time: 2h39
